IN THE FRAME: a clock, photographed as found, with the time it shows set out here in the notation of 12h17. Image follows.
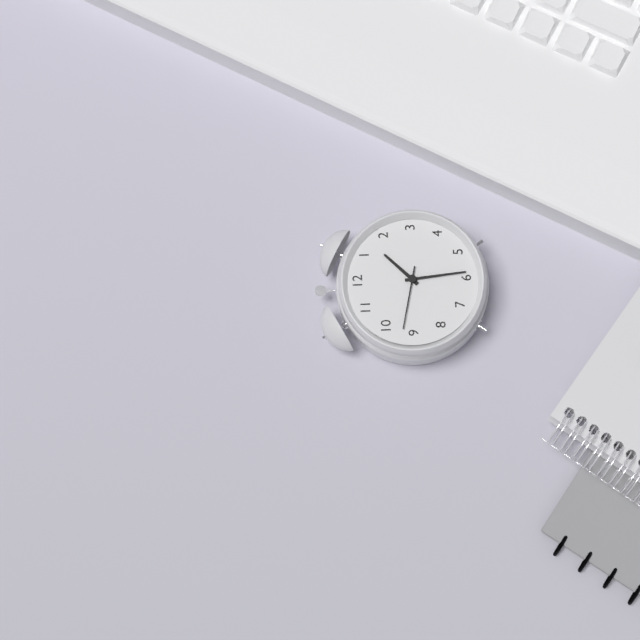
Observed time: 1h29
